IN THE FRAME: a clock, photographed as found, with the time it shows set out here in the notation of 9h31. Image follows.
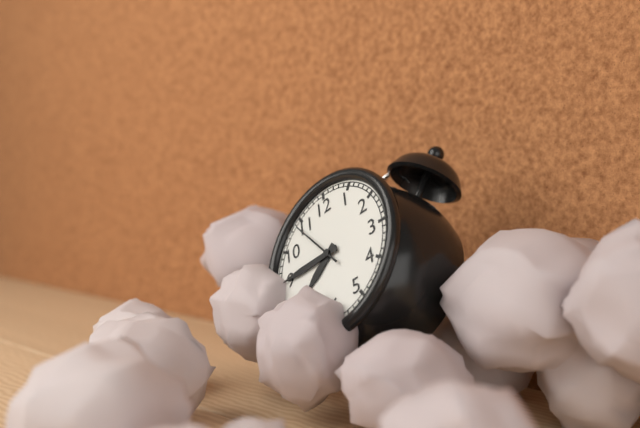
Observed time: 7h45
